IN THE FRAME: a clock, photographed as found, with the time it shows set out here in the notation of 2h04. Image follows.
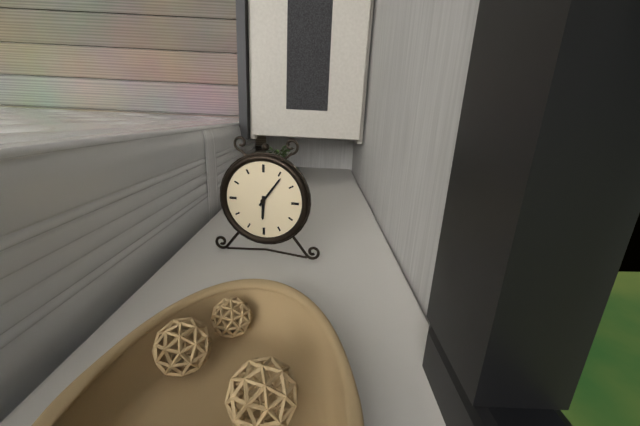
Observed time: 6h06
